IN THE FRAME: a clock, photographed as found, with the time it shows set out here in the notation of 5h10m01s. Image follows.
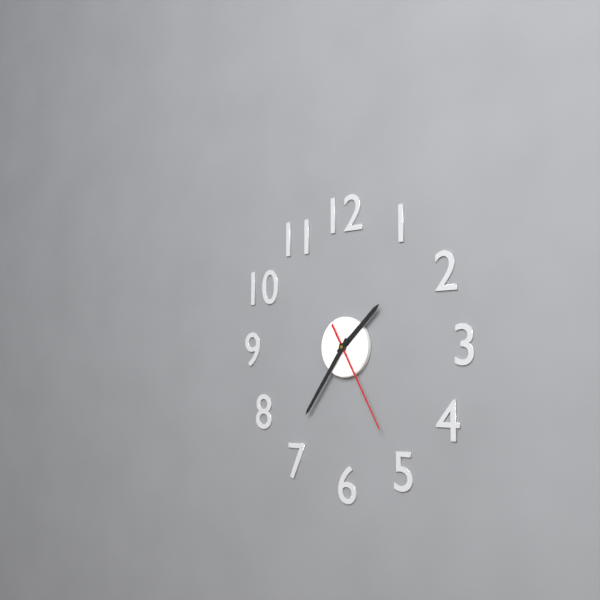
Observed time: 1h36m25s
